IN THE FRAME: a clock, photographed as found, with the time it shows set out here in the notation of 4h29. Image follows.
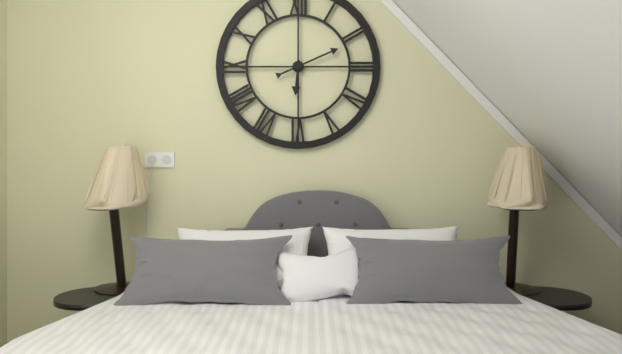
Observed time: 6h11
